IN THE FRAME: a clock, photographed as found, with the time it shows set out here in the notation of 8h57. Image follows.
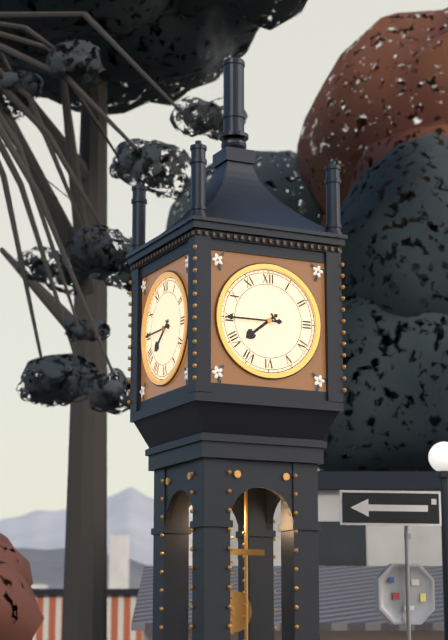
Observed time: 7h45
